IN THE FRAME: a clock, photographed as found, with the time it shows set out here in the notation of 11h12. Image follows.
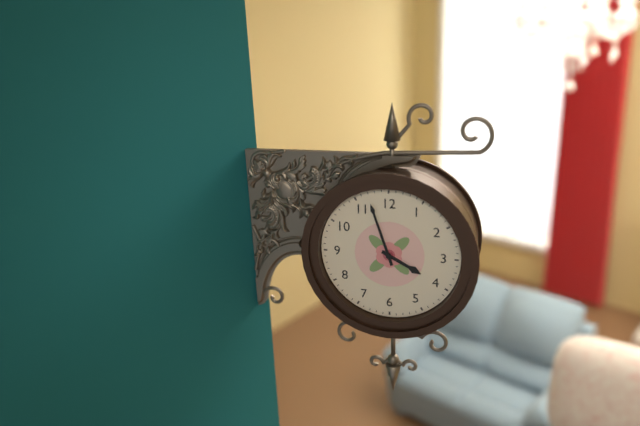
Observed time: 3h57
